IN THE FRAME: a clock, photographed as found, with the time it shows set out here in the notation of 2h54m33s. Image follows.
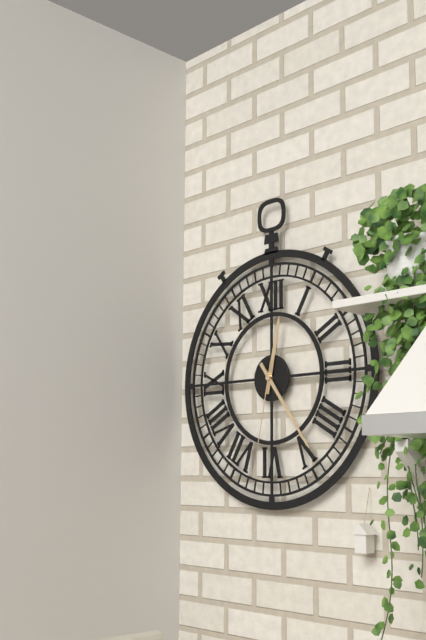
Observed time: 12h24m32s
